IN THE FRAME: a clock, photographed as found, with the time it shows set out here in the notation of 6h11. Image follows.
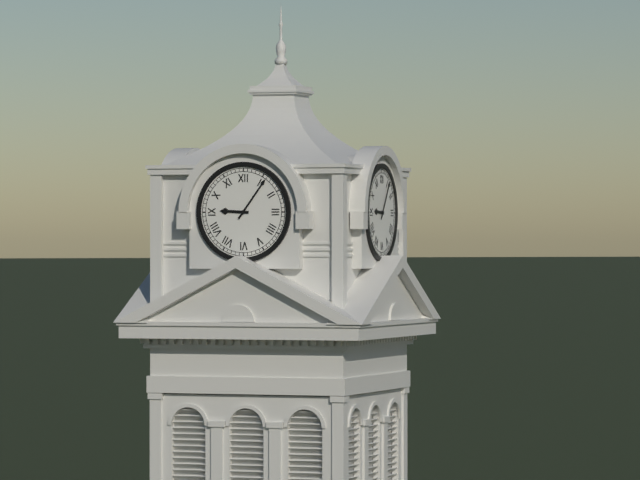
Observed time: 9h06
